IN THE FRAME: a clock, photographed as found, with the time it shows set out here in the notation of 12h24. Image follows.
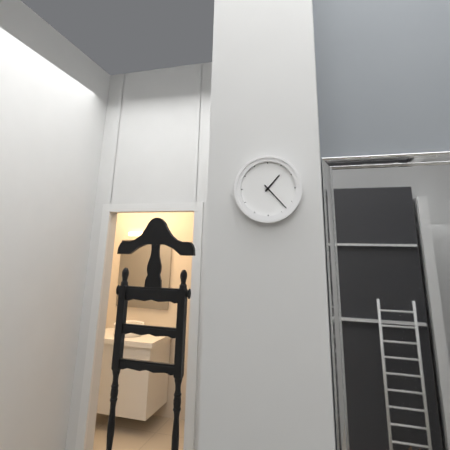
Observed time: 1h23
